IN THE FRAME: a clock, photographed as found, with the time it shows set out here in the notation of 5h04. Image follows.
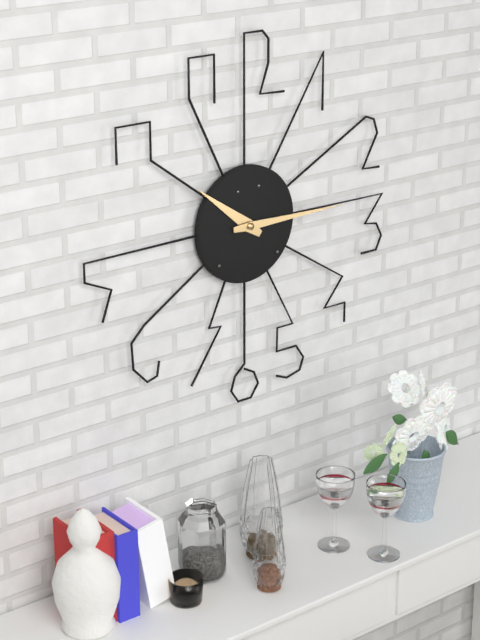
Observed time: 10h15
